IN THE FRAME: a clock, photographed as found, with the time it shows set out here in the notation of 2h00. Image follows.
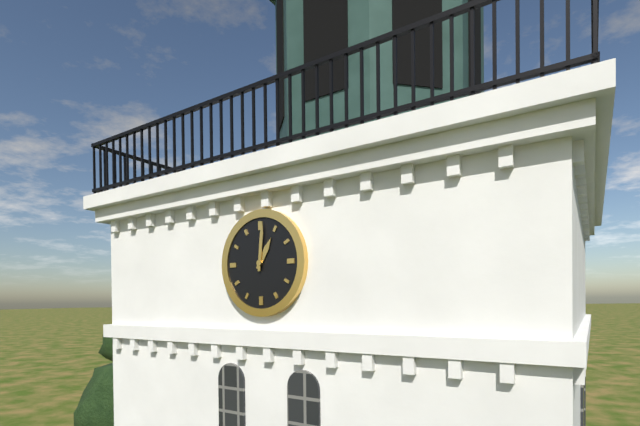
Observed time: 1h01
